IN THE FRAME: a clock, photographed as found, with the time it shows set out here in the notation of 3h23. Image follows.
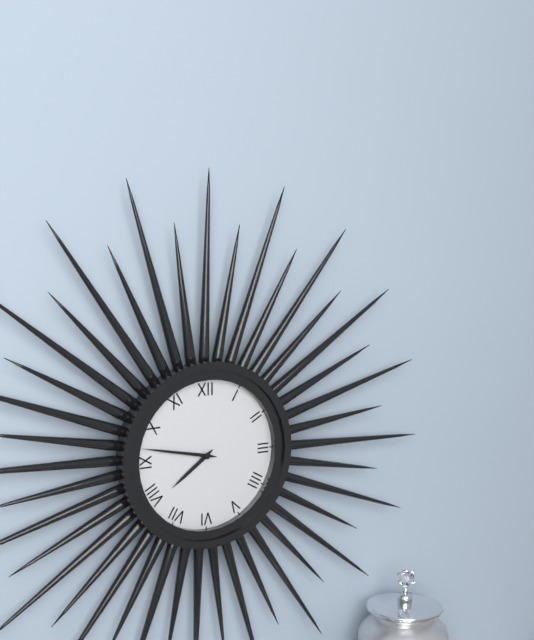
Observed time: 7h47
